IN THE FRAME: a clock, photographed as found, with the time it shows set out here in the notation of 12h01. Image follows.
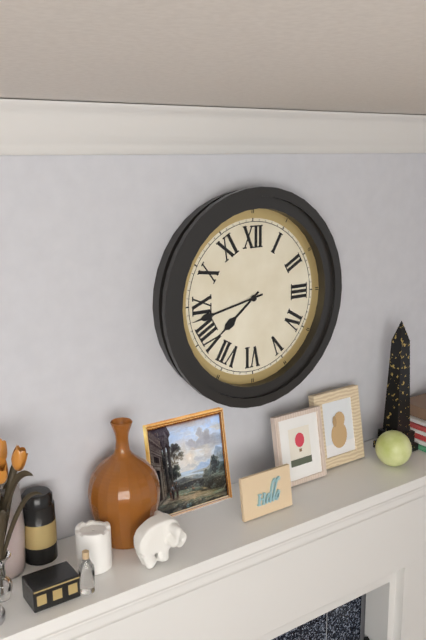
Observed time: 7h43
